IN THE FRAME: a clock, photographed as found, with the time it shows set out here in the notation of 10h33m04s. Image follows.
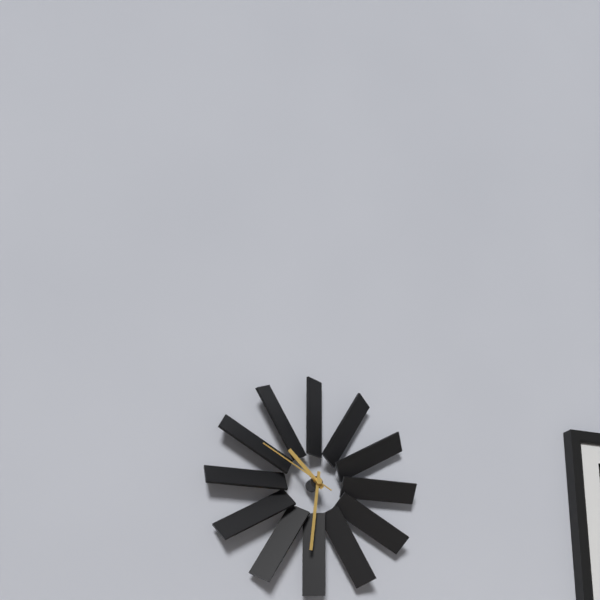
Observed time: 10h31m50s
